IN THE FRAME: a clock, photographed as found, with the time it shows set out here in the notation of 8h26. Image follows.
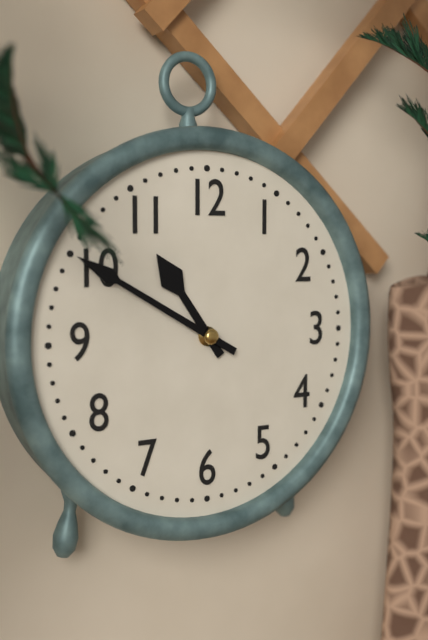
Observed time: 10h50
